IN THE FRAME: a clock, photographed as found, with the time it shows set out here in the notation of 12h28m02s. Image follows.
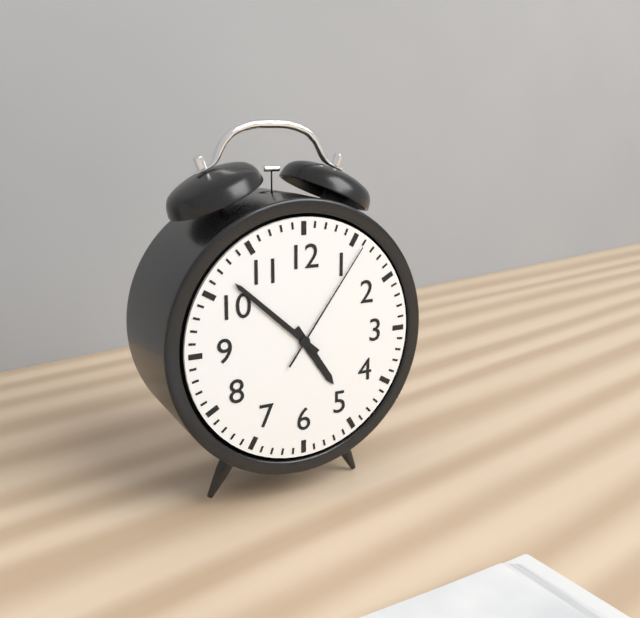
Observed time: 4h52m06s
